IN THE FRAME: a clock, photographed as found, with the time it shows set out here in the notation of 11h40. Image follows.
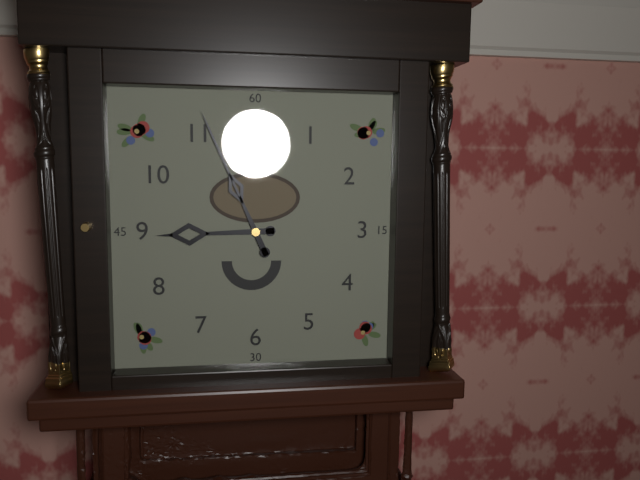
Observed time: 8h56
